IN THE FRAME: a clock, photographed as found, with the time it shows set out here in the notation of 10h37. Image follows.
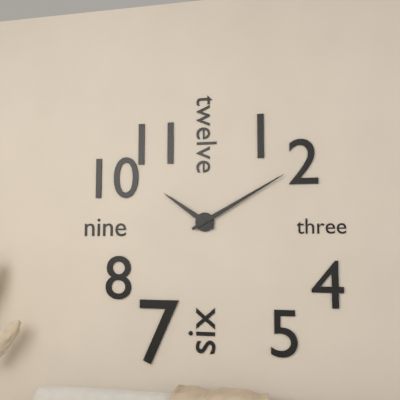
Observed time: 10h10
